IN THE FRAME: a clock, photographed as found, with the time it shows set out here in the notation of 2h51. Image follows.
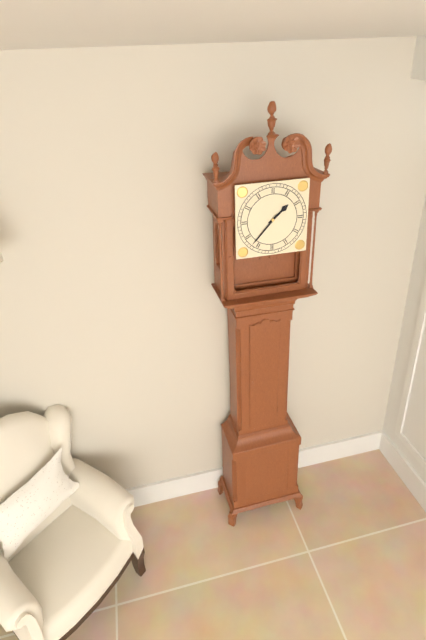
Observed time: 1h37
